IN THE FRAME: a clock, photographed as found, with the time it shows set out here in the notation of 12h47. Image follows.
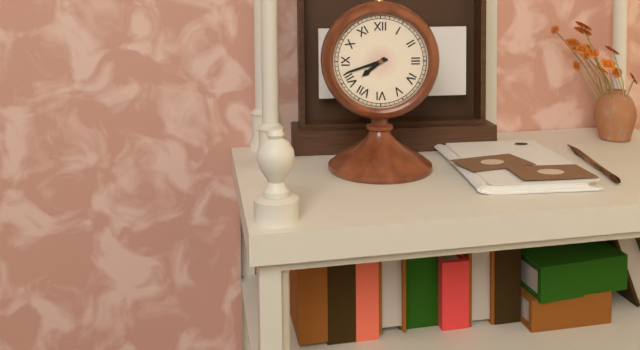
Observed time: 7h42
